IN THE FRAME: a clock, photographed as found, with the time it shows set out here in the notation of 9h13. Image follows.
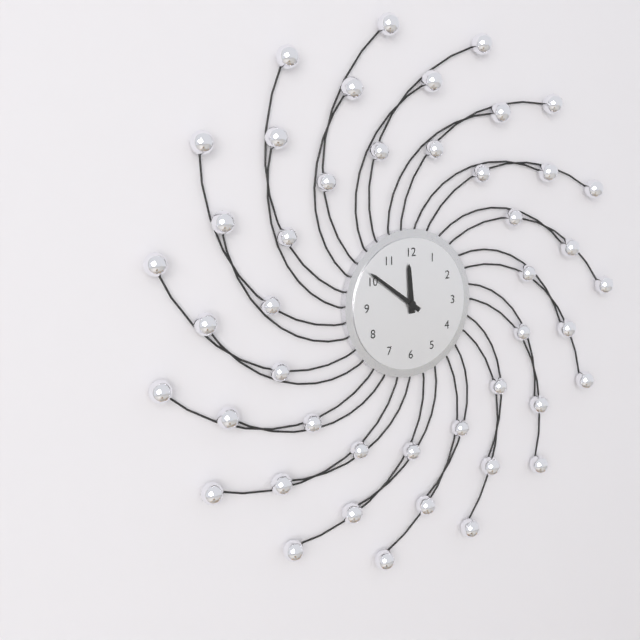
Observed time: 11h51
